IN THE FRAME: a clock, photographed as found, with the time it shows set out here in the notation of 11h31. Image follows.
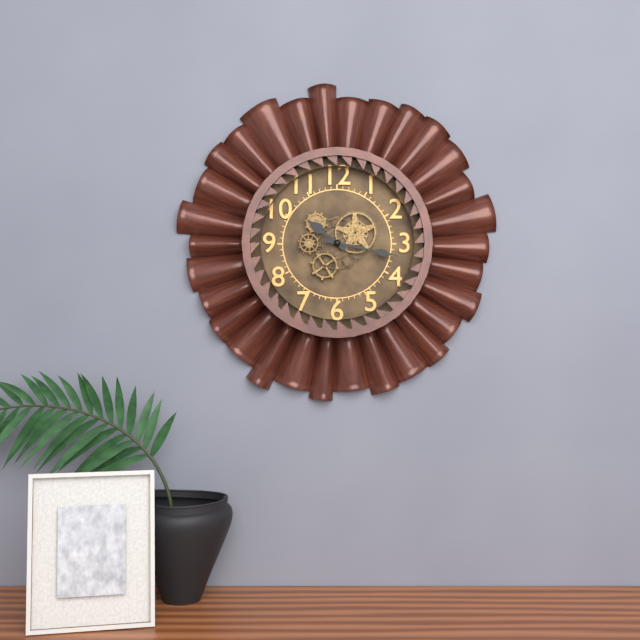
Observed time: 10h17
